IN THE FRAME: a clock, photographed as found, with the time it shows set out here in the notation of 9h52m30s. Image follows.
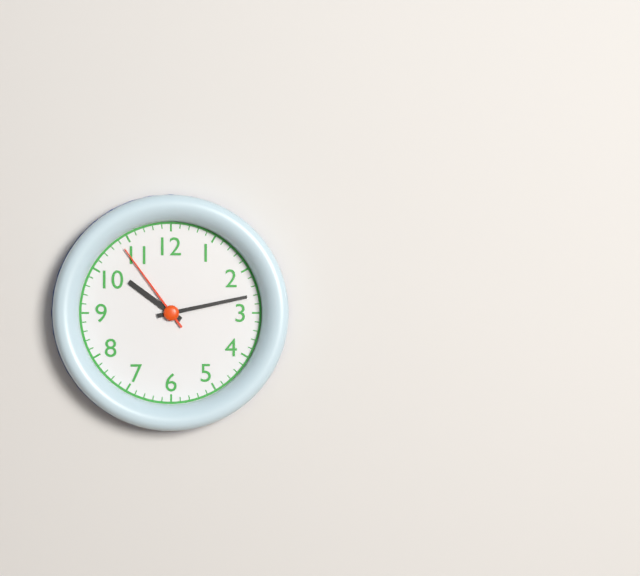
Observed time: 10h13m54s
